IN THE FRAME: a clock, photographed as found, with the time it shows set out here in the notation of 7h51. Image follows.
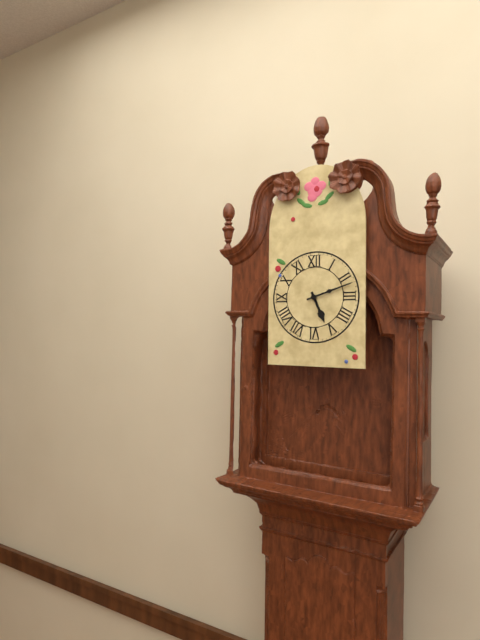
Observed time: 5h12
